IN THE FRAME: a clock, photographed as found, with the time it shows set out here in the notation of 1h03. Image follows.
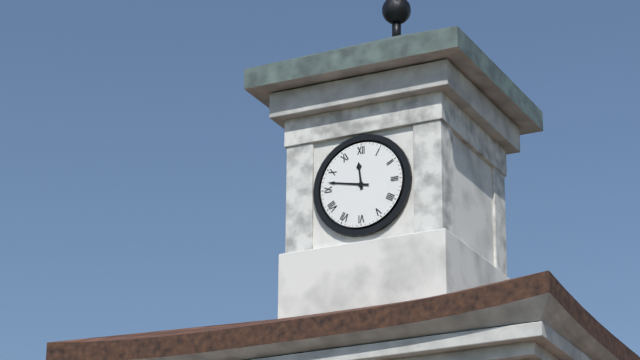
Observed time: 11h47
